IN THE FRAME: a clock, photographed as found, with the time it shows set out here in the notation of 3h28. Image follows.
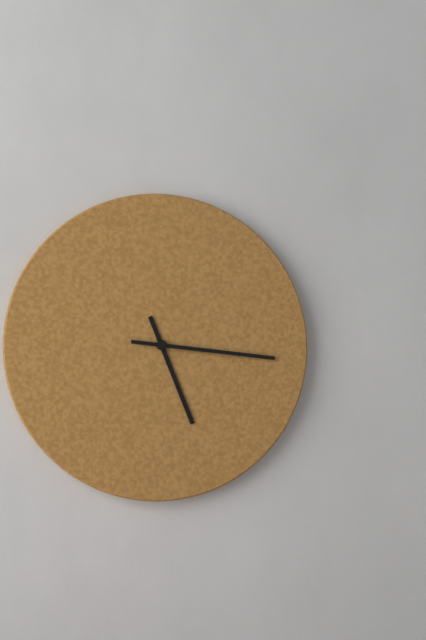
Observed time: 5h16
